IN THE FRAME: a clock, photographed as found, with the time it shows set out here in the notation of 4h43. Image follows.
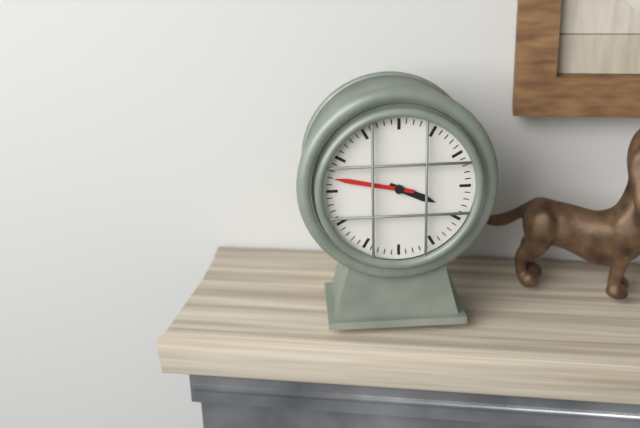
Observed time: 3h47
